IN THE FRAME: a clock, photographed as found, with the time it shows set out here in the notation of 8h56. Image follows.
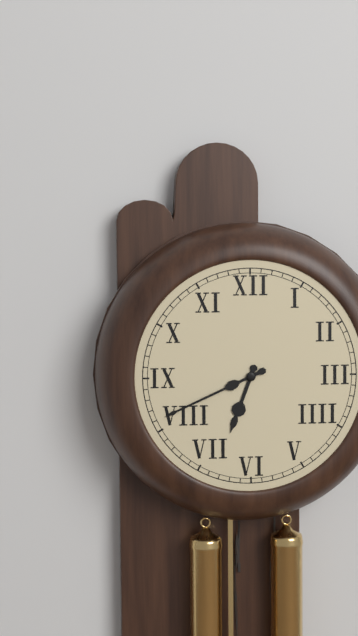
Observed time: 6h41
